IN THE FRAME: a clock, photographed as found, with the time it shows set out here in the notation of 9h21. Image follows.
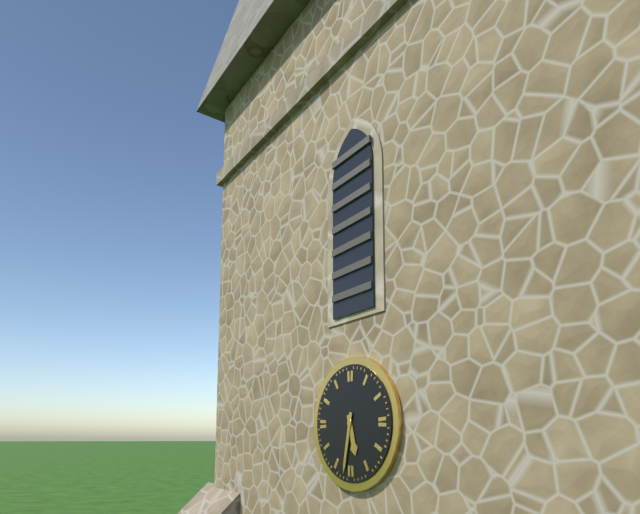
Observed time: 5h32
